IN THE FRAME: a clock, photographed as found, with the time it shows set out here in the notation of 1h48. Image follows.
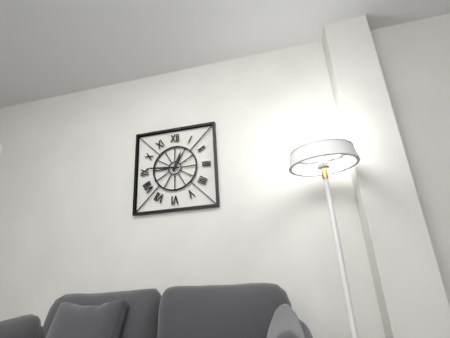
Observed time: 12h46
